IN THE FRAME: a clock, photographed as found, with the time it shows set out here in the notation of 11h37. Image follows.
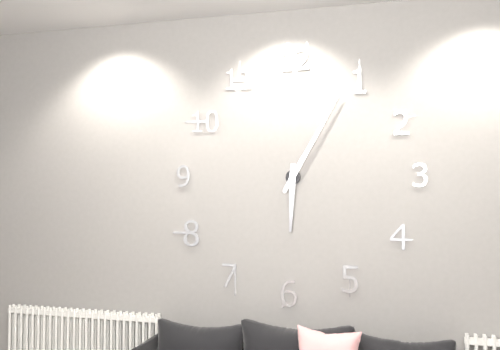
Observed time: 6h05
